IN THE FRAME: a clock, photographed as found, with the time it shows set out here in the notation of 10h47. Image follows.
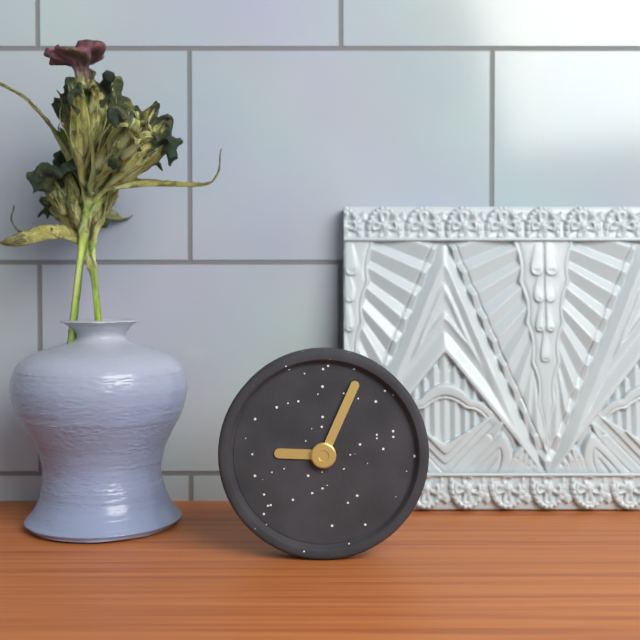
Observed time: 9h04
